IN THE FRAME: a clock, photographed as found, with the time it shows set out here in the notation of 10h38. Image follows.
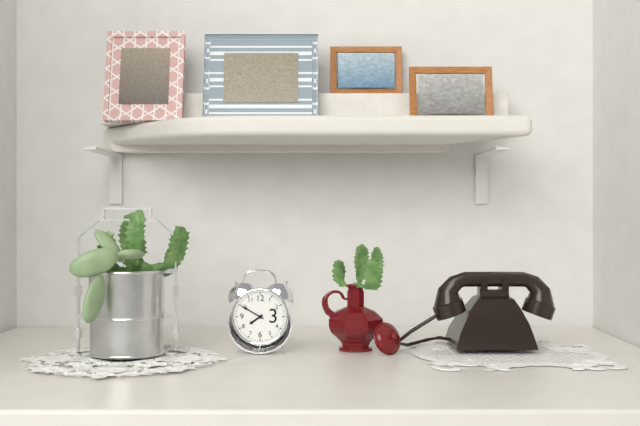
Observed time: 7h50
